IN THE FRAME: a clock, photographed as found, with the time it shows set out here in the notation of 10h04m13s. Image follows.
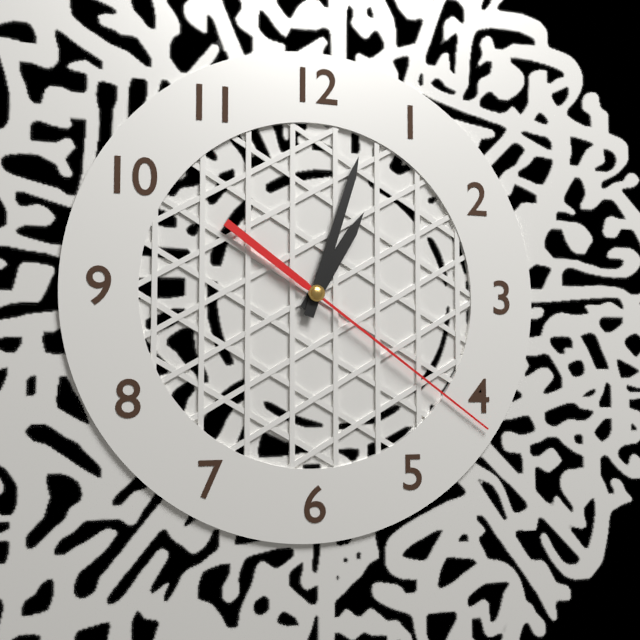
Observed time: 1h03m21s
